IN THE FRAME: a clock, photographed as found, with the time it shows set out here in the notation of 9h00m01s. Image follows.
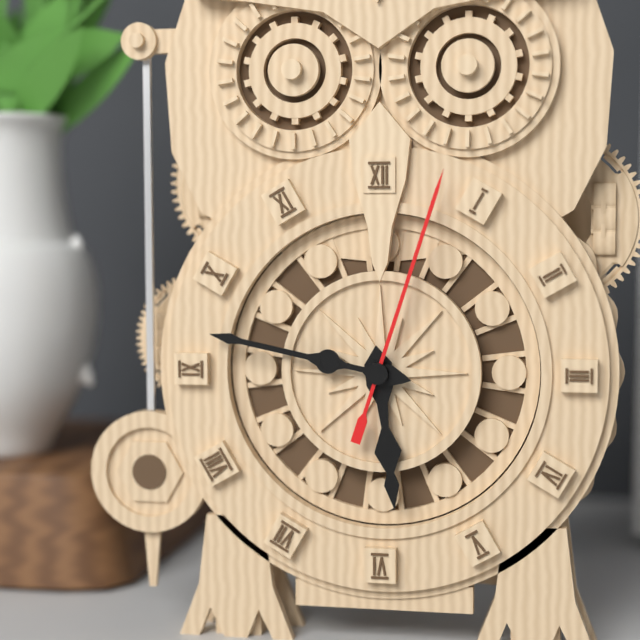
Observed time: 5h47m03s
